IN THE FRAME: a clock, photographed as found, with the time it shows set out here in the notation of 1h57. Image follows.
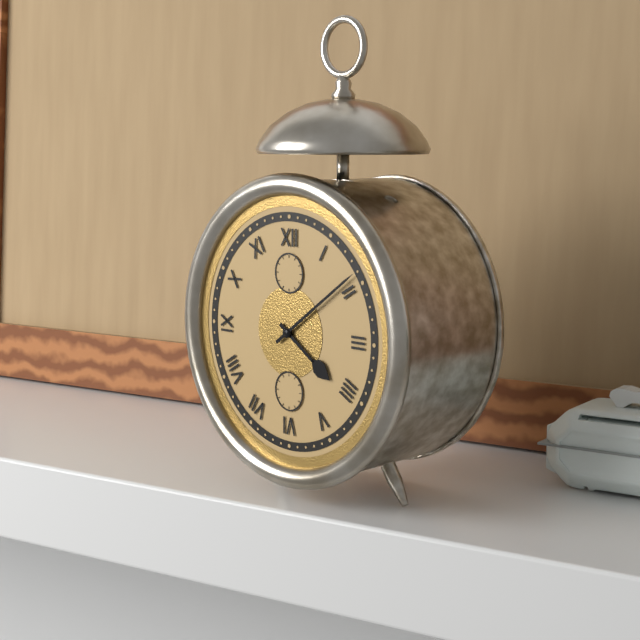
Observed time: 4h09
